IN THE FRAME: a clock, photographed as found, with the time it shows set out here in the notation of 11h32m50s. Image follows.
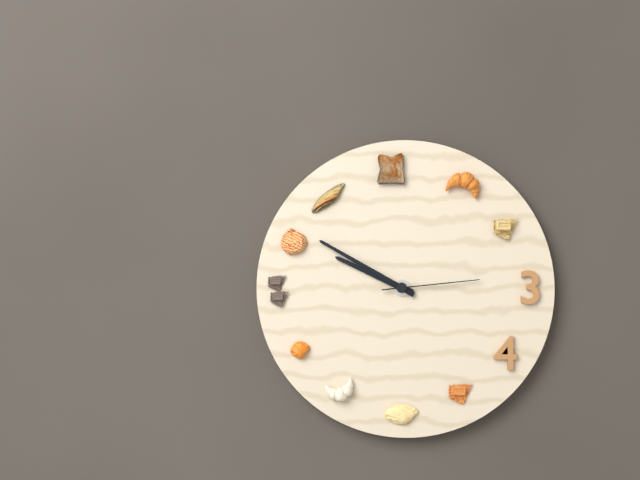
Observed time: 9h50m14s
